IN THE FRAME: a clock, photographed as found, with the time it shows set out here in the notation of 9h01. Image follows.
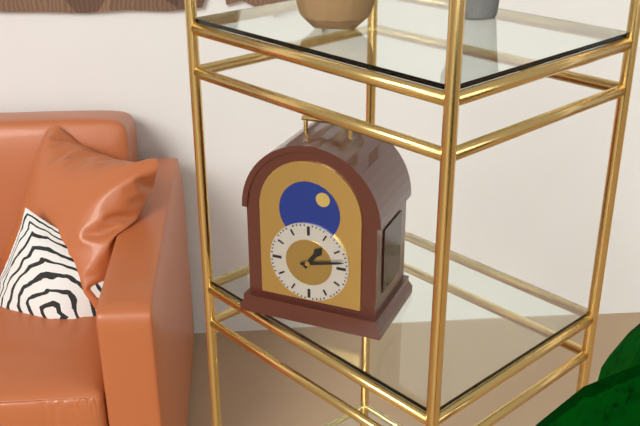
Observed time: 1h13
